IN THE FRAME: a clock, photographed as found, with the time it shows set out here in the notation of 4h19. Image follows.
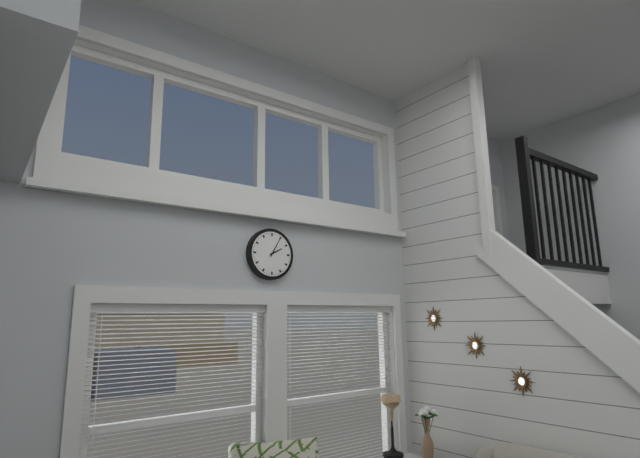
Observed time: 2h05
